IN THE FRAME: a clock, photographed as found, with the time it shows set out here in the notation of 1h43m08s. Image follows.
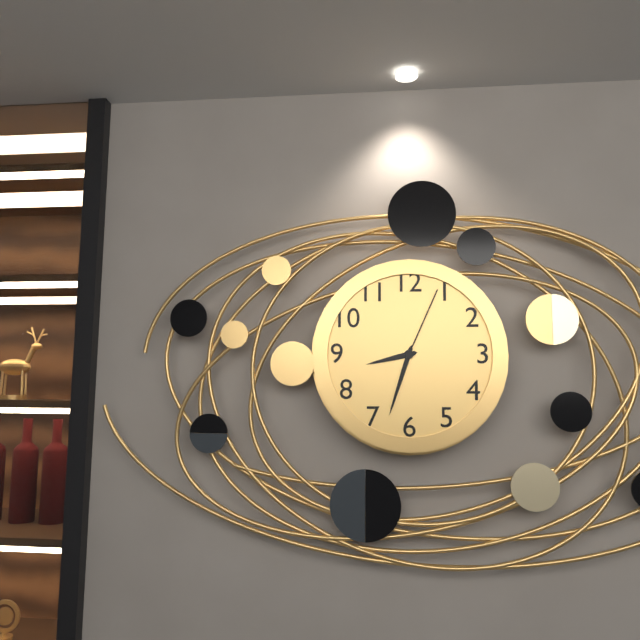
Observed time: 8h33m04s
